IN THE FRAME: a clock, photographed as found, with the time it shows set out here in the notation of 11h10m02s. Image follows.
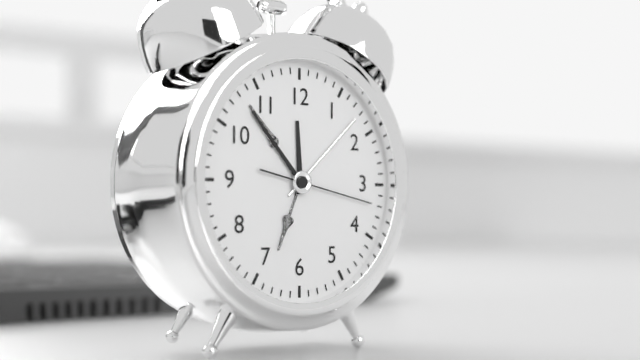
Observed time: 11h53m17s
